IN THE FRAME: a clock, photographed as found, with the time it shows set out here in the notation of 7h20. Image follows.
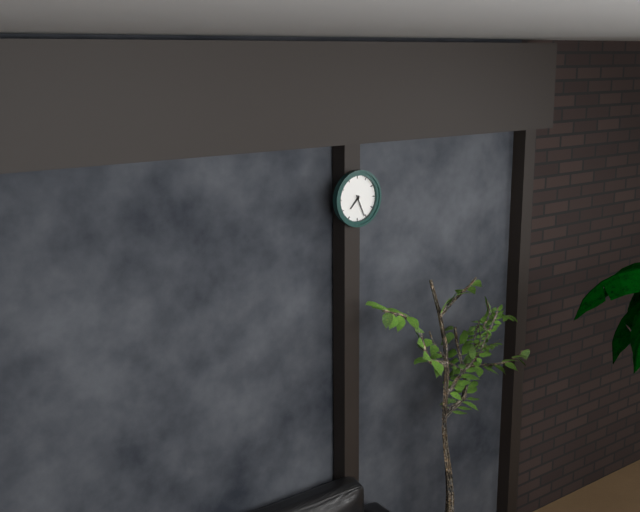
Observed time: 7h26
